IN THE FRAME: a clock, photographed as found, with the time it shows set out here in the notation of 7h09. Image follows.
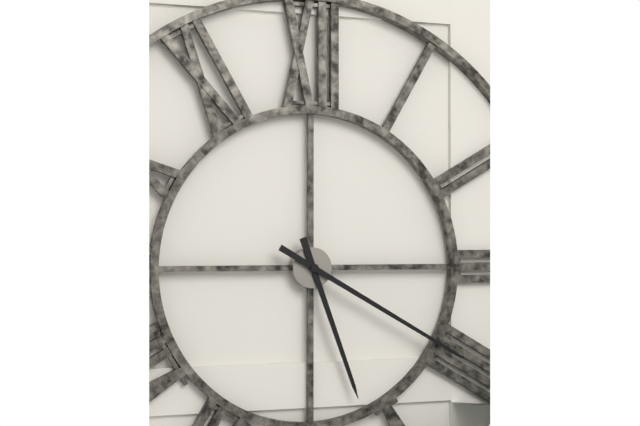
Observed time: 5h20
